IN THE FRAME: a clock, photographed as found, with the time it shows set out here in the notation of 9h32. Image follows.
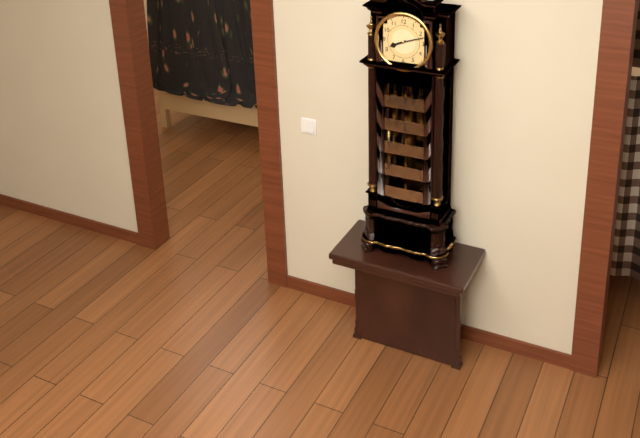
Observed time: 8h12
